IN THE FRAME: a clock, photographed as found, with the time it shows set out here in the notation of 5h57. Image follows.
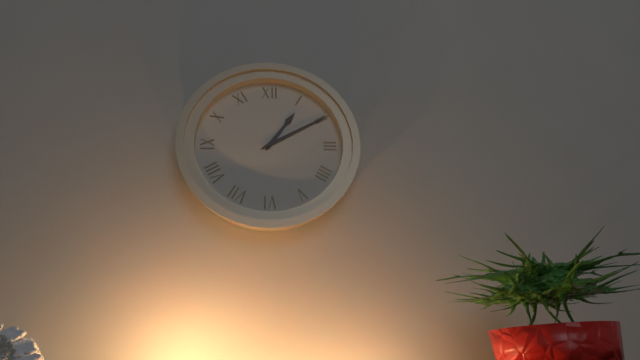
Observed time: 1h10
